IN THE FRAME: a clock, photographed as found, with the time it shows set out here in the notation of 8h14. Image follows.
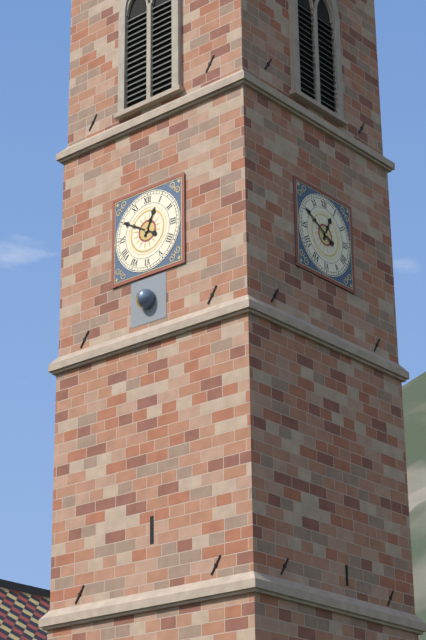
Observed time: 12h50
